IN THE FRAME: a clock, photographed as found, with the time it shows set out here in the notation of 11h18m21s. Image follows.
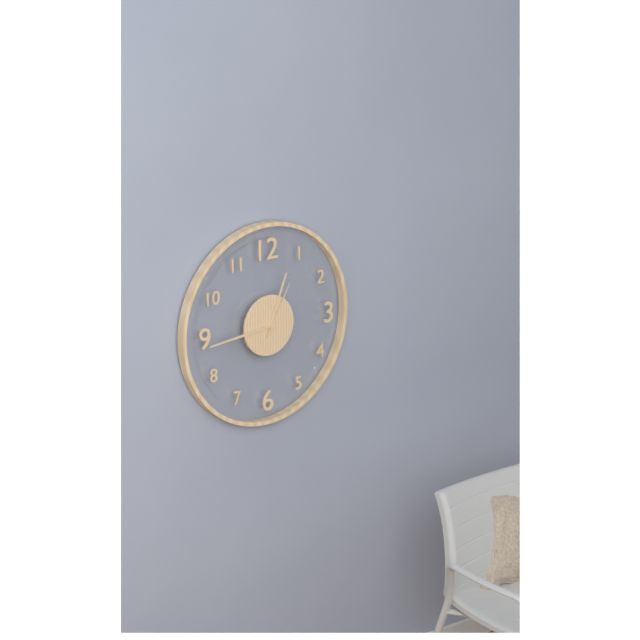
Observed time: 12h44m05s
